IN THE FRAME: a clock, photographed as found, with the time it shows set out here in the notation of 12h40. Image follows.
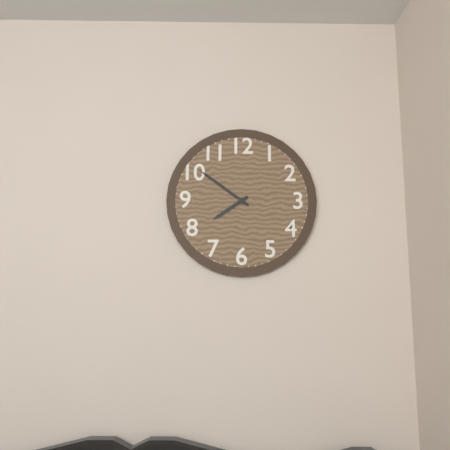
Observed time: 7h51
